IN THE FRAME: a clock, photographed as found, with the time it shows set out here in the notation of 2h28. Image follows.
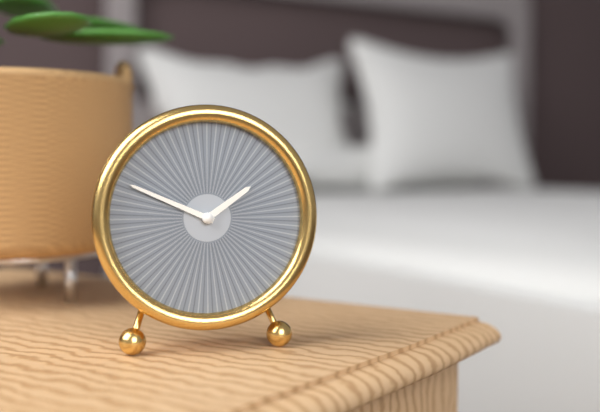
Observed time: 1h49
